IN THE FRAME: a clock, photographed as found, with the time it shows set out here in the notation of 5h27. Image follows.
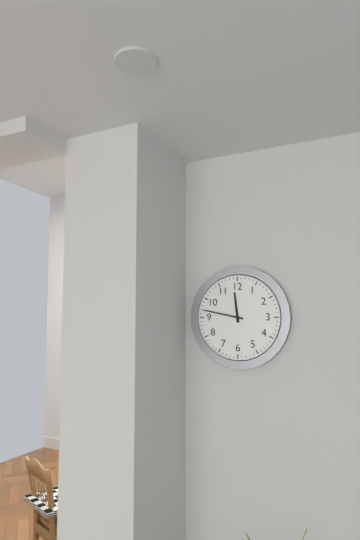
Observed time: 11h47
